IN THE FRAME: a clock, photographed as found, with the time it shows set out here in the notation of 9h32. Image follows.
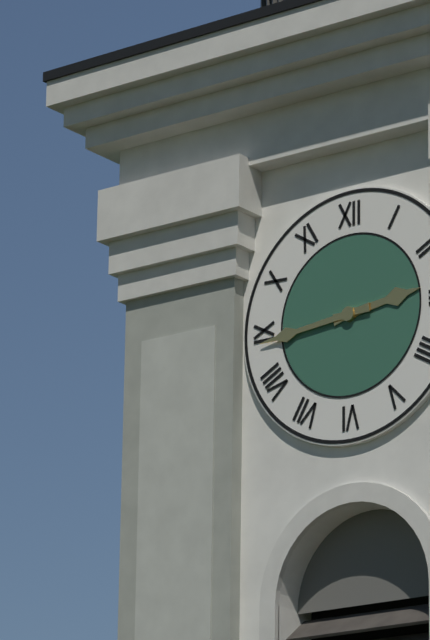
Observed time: 2h44
